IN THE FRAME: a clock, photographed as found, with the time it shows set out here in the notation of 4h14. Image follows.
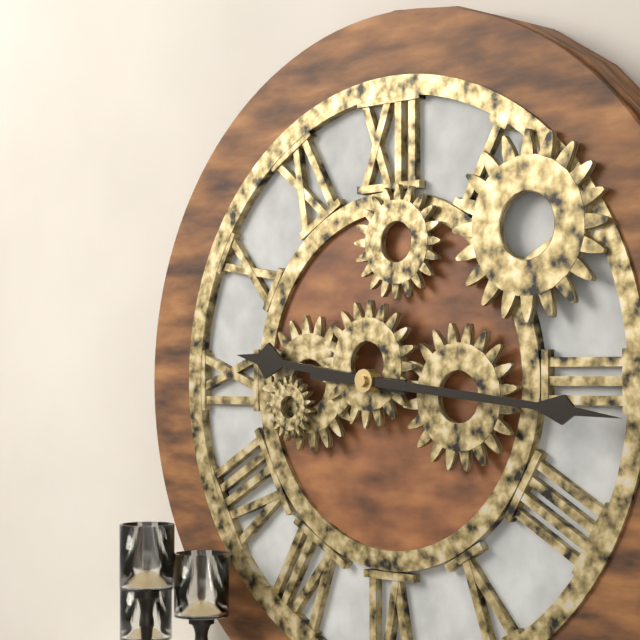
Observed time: 9h16
